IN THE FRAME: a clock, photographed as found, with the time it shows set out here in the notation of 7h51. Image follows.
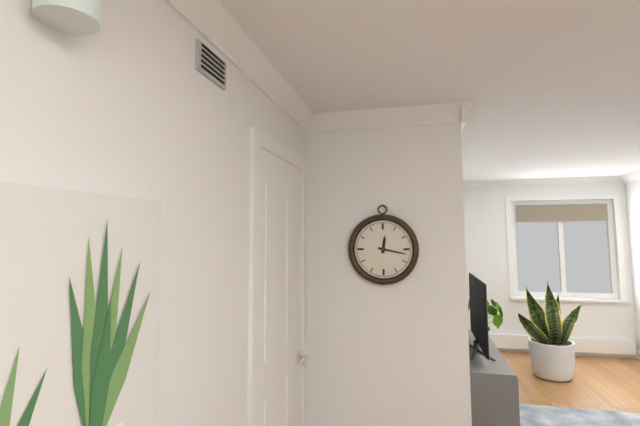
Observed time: 12h17
